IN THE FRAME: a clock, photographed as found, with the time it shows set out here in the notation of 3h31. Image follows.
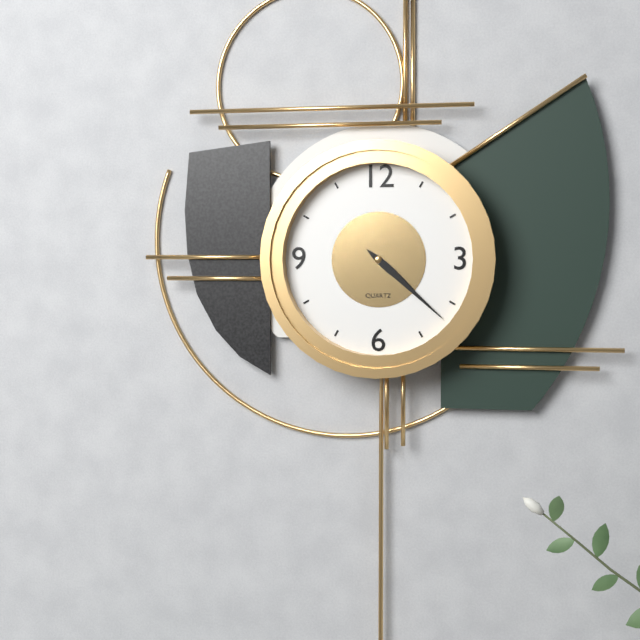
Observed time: 4h22
